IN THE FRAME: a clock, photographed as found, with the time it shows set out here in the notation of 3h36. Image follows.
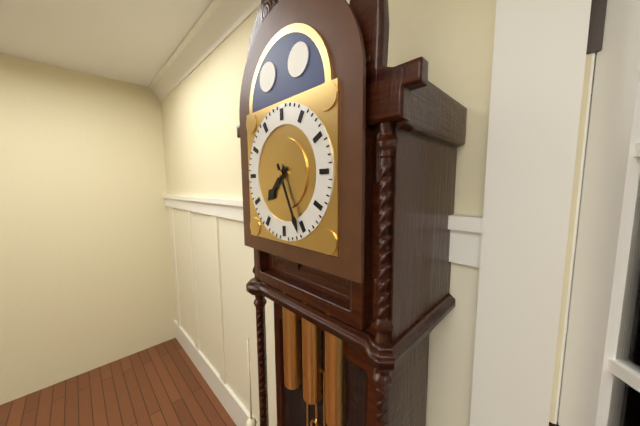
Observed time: 7h26
